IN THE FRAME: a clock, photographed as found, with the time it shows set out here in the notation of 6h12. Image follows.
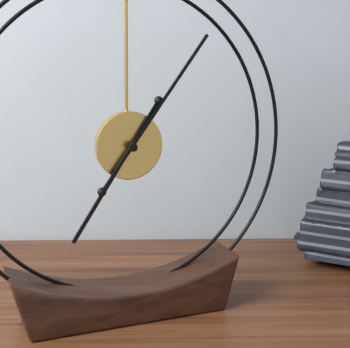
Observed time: 7h06
